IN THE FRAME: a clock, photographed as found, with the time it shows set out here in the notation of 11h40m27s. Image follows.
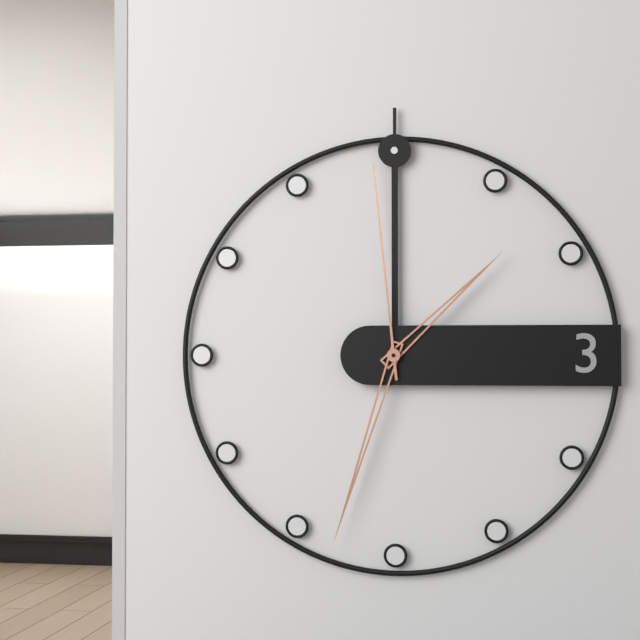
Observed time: 1h33m59s
